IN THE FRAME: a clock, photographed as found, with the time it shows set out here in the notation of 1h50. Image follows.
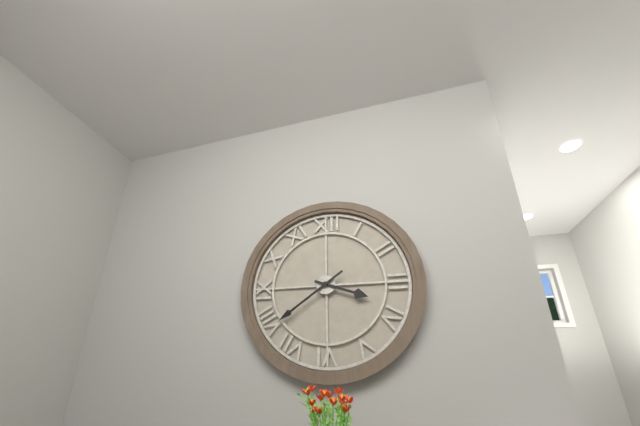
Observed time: 3h39
